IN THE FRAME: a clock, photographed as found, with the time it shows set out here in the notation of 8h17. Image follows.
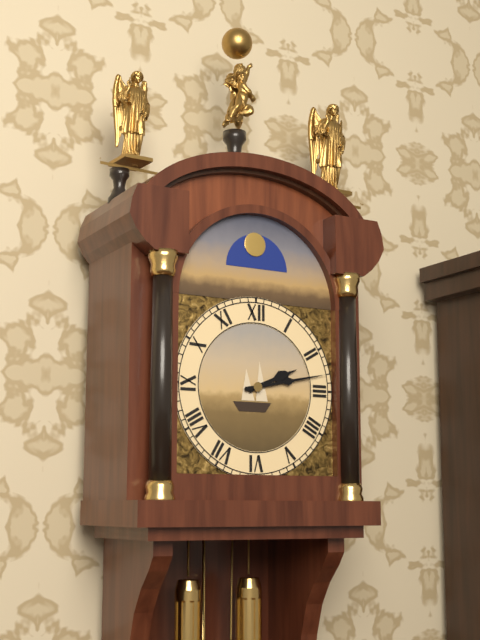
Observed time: 2h13
